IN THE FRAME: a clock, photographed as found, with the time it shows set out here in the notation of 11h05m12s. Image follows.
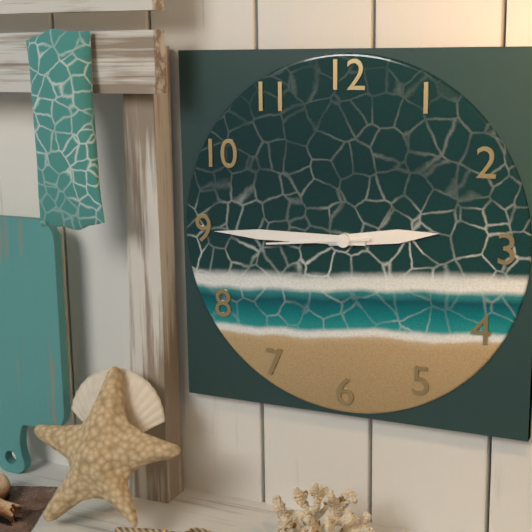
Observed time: 2h45m44s
